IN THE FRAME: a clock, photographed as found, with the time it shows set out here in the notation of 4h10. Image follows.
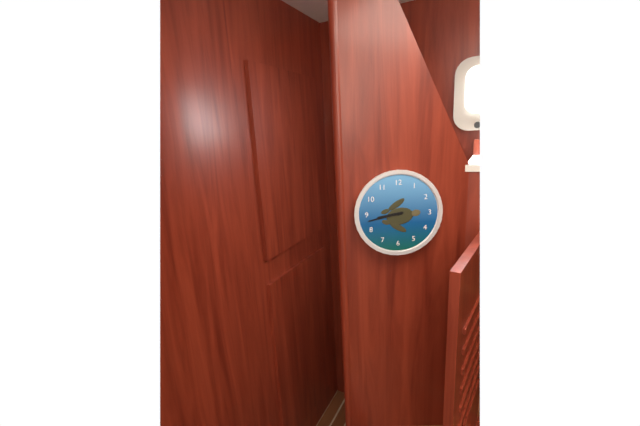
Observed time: 8h43
